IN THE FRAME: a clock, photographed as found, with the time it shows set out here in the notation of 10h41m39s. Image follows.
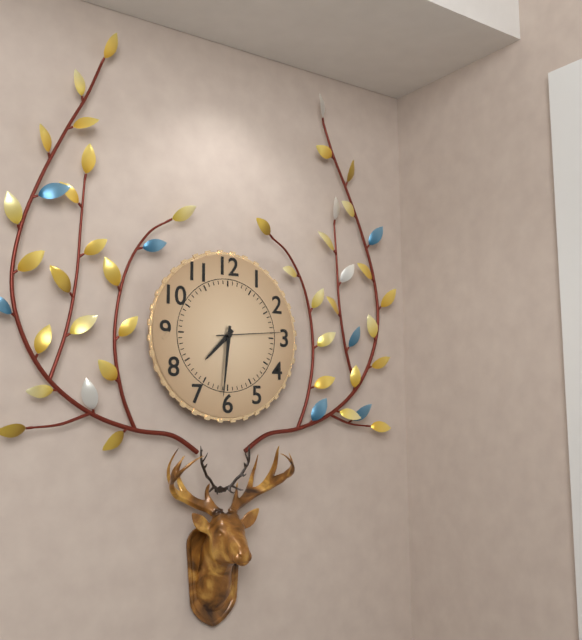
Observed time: 7h31m14s
